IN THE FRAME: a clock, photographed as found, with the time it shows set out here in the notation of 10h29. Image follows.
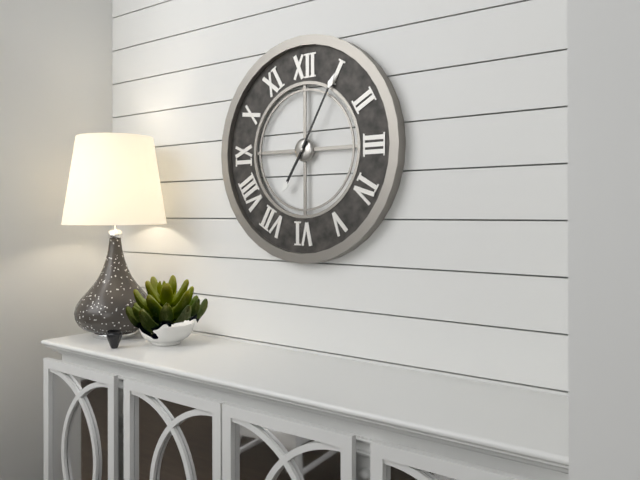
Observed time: 7h05
